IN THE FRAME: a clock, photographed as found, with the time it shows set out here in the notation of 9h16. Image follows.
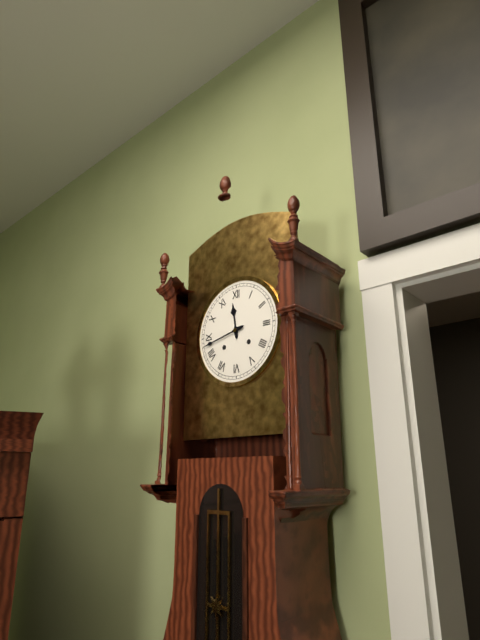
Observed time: 11h43
